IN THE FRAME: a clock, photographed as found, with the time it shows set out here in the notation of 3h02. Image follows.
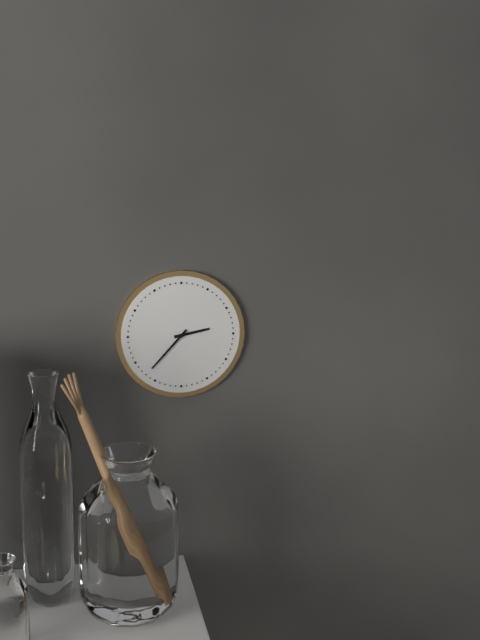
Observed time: 2h37
